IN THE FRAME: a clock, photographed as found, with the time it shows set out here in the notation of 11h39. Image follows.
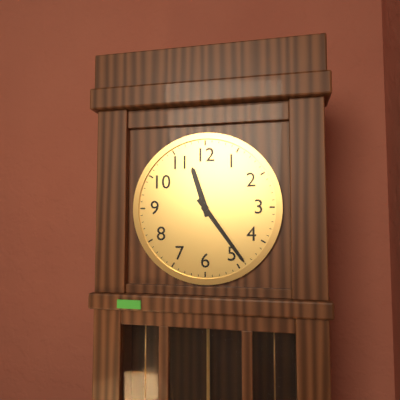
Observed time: 11h24
